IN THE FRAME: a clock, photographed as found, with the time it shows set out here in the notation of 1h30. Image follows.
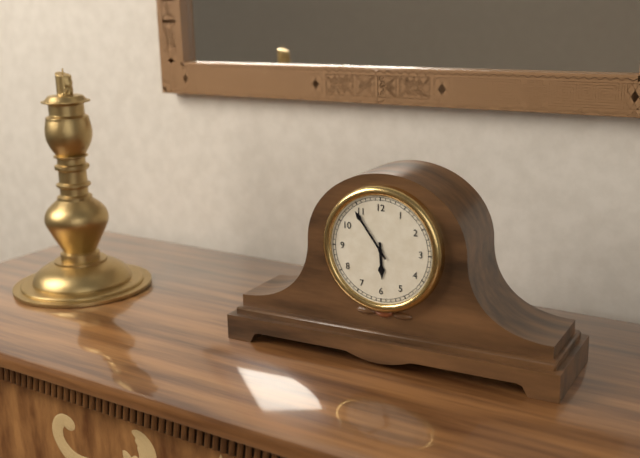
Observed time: 5h54
